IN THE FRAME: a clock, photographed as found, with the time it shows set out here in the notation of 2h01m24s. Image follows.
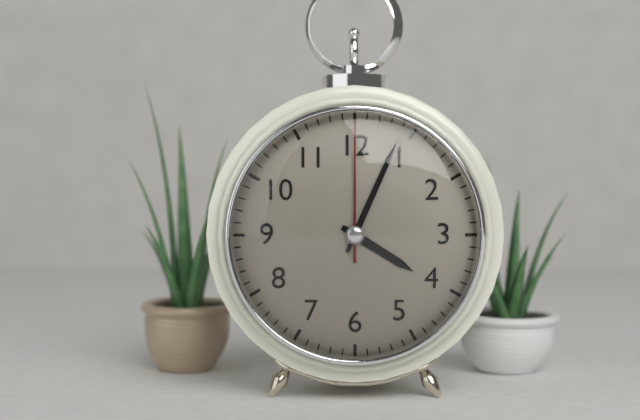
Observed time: 4h04m00s
